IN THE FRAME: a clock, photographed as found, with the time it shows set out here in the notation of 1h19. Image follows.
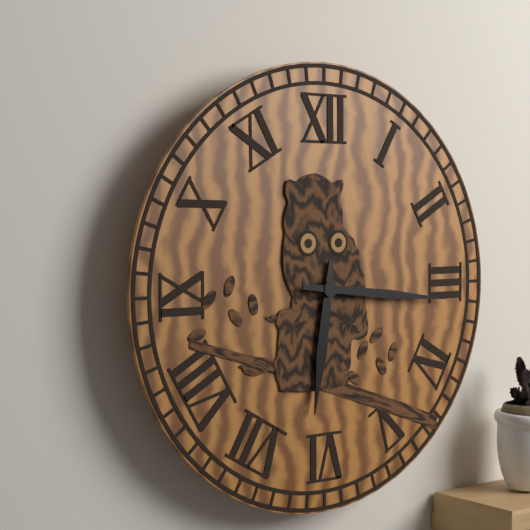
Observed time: 6h16
